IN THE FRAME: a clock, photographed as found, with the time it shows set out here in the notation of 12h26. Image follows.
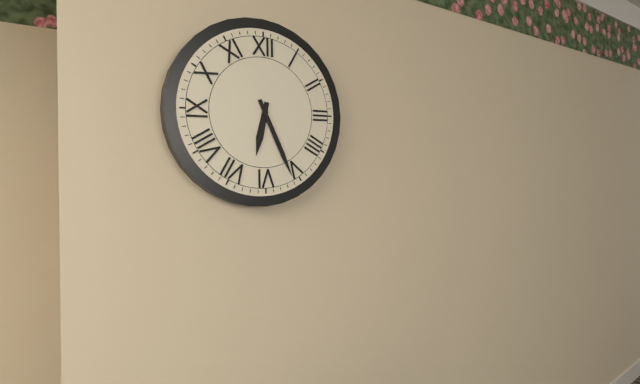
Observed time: 6h26
